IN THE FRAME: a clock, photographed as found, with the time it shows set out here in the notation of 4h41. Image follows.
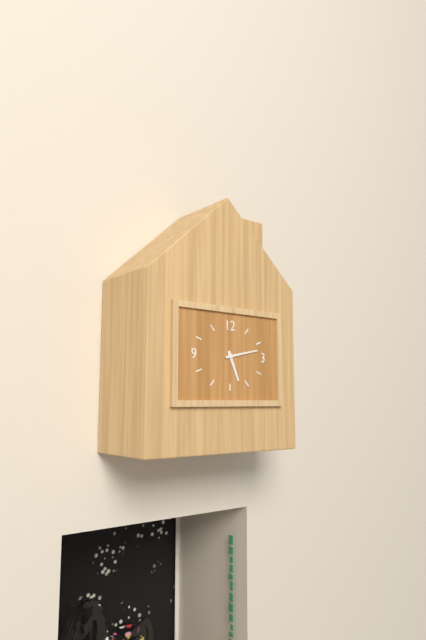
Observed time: 5h13
